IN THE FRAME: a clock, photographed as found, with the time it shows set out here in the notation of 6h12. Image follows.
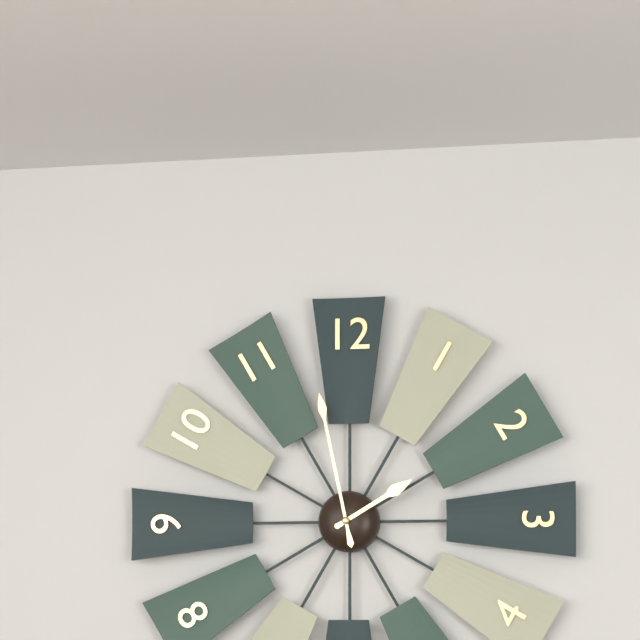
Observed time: 1h58
